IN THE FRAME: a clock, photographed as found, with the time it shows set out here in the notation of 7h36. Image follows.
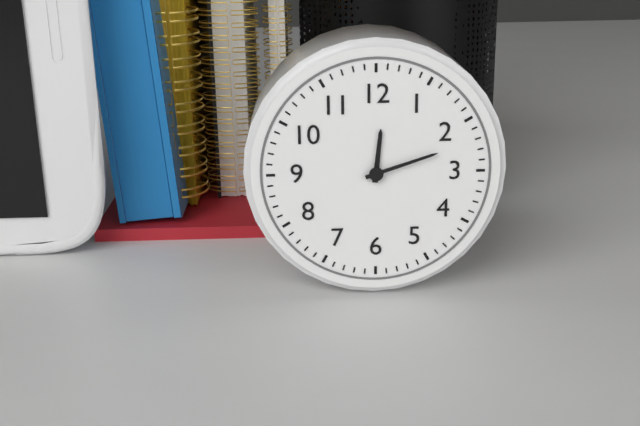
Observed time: 12h12
